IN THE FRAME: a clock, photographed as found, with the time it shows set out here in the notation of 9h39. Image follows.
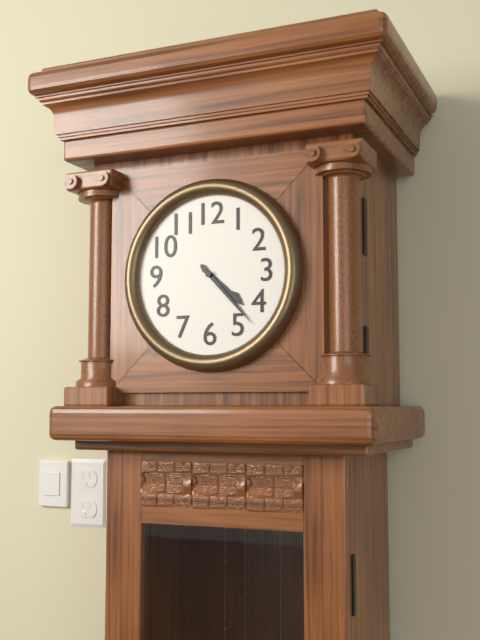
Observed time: 4h23
